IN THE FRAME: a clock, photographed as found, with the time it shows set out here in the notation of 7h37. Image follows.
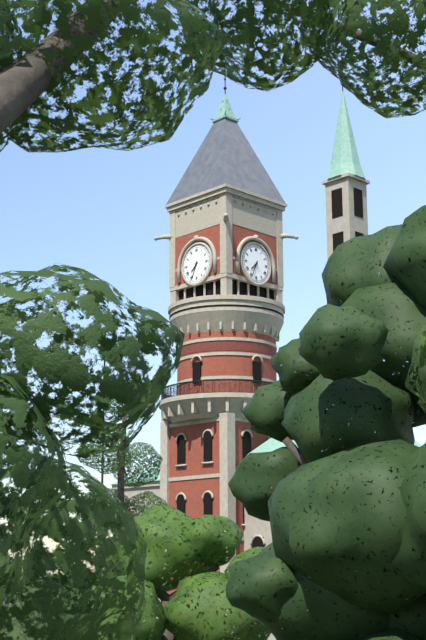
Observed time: 7h34
